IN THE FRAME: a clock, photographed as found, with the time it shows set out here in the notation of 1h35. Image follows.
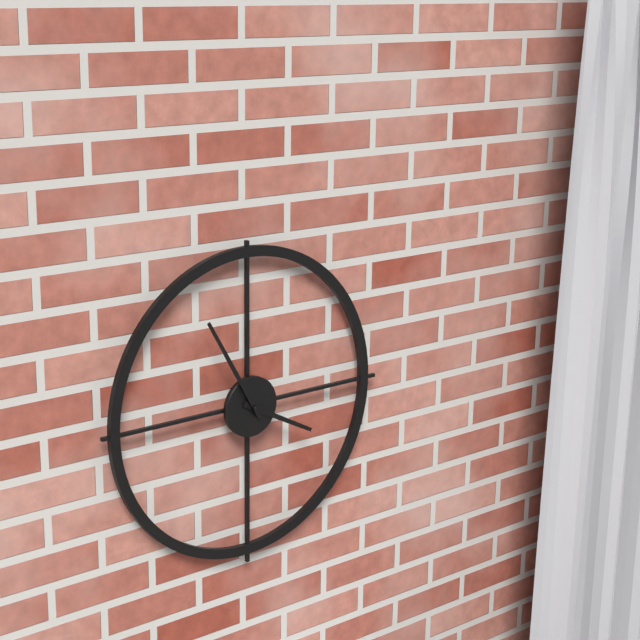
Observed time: 3h55
